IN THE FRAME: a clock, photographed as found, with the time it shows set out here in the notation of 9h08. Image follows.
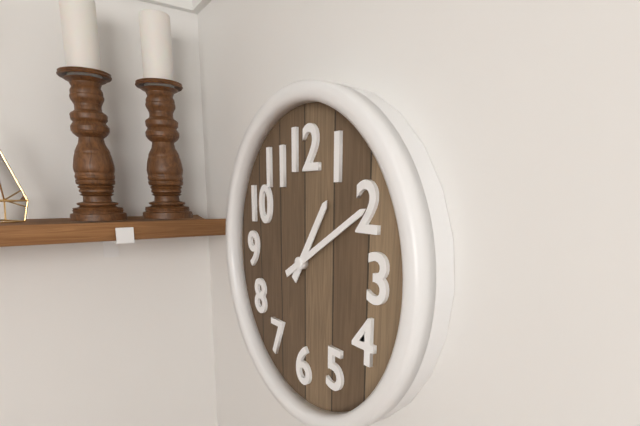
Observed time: 1h10
